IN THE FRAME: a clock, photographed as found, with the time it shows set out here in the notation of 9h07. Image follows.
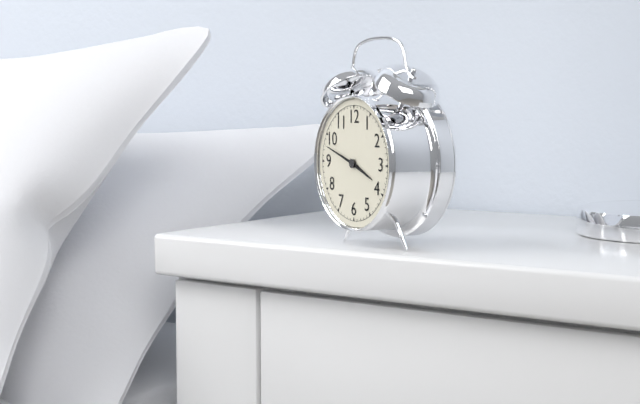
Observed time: 3h48
